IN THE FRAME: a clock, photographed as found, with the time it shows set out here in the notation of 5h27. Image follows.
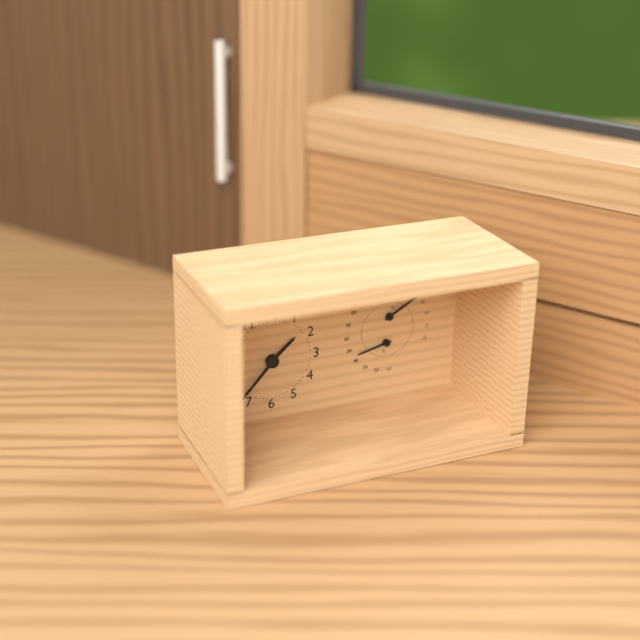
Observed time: 1h37
